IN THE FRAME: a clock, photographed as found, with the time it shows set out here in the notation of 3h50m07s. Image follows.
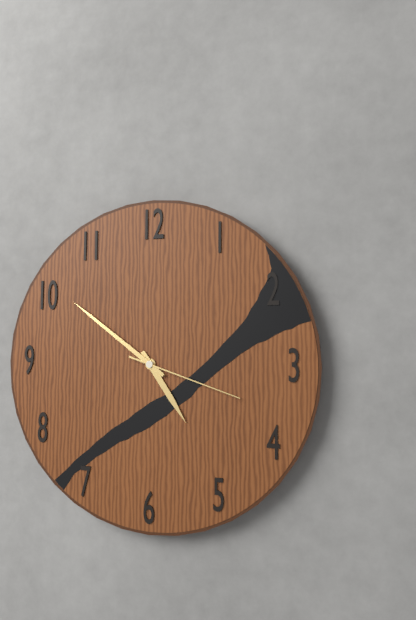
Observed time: 4h51m18s
